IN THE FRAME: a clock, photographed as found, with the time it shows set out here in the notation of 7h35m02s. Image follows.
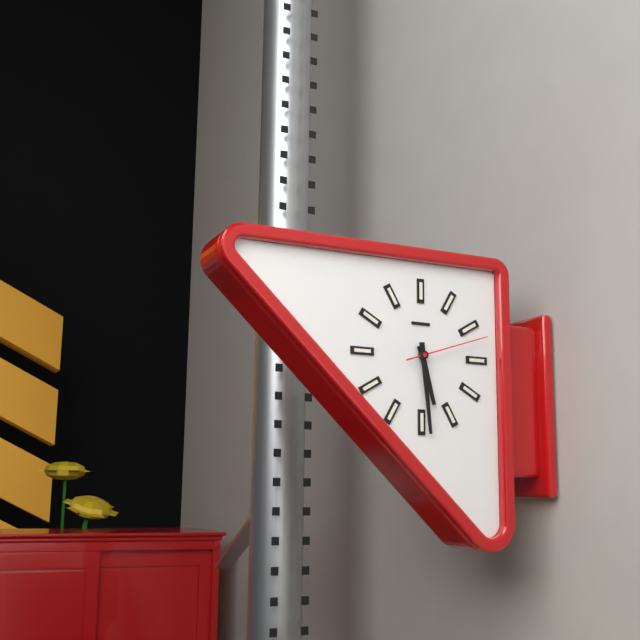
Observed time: 5h29m12s
